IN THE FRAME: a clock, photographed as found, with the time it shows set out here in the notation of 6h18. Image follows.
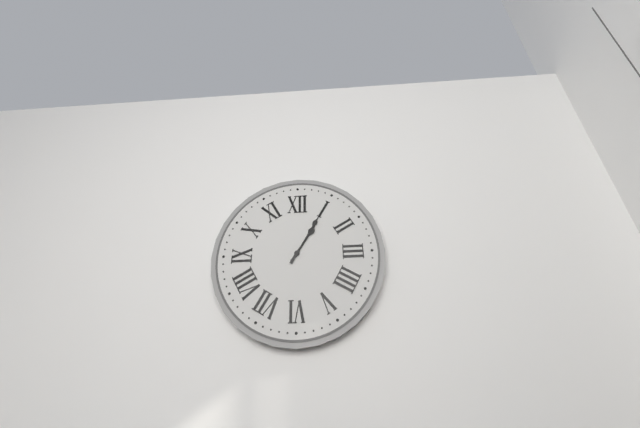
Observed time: 1h05
